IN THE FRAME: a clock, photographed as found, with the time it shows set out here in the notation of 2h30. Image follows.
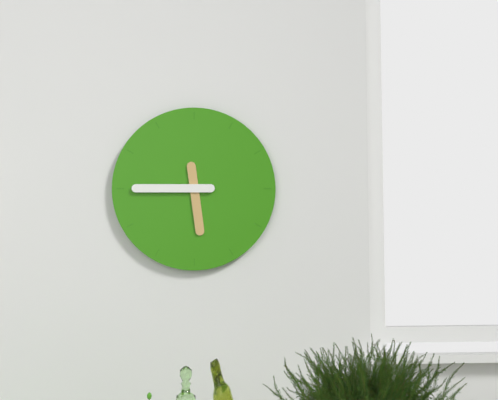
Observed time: 5h45
